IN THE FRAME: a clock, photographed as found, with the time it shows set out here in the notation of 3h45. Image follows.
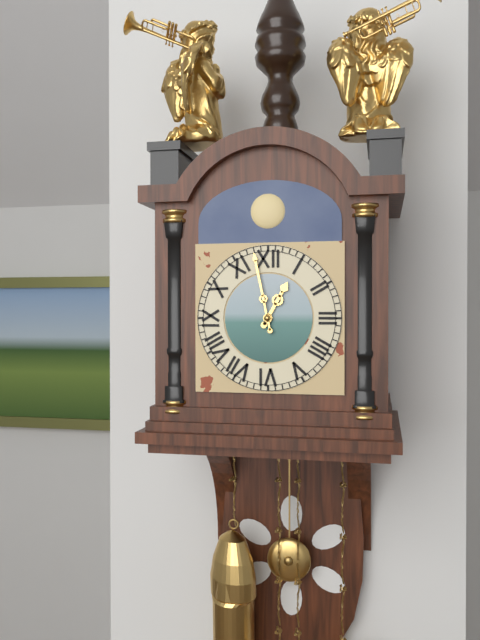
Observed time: 12h58
